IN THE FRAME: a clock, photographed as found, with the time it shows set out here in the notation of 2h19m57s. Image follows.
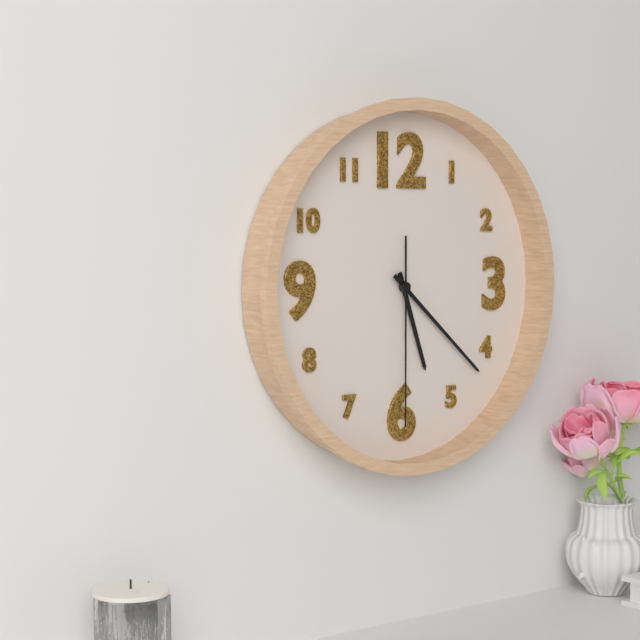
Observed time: 5h22m30s
